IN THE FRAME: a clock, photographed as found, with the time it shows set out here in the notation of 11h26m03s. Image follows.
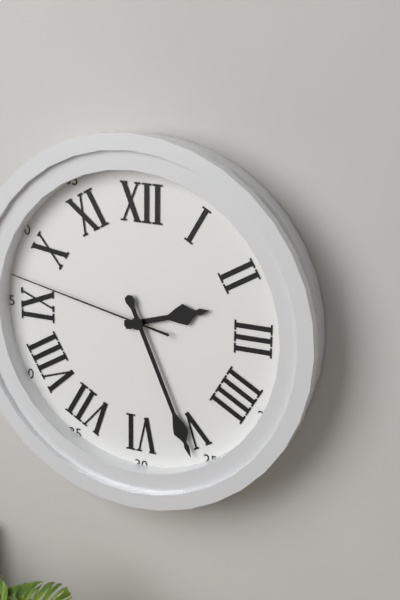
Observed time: 2h26m47s
